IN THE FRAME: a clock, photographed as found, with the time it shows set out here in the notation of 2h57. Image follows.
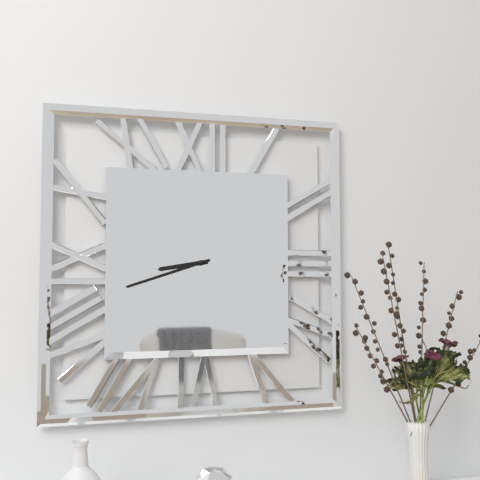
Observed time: 8h42
